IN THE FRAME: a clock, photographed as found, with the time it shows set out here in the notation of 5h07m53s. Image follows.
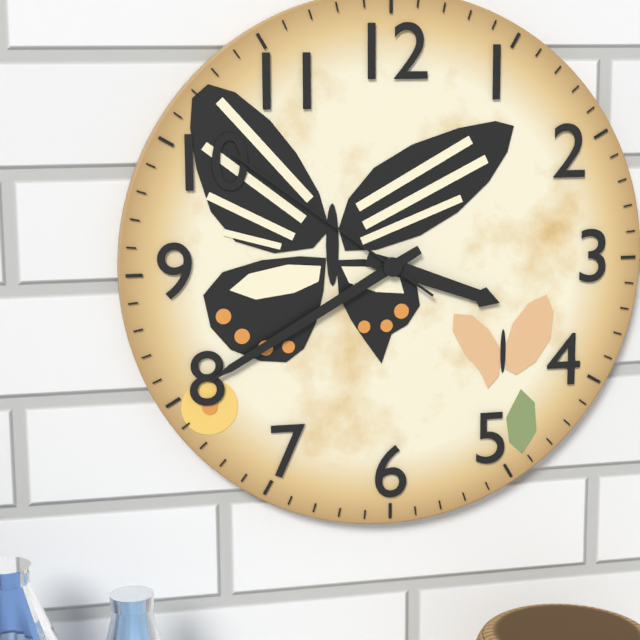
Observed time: 3h40m51s
